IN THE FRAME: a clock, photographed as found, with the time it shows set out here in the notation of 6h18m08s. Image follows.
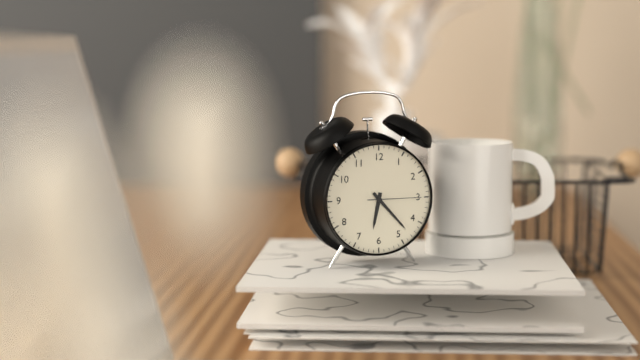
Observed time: 6h23m15s
